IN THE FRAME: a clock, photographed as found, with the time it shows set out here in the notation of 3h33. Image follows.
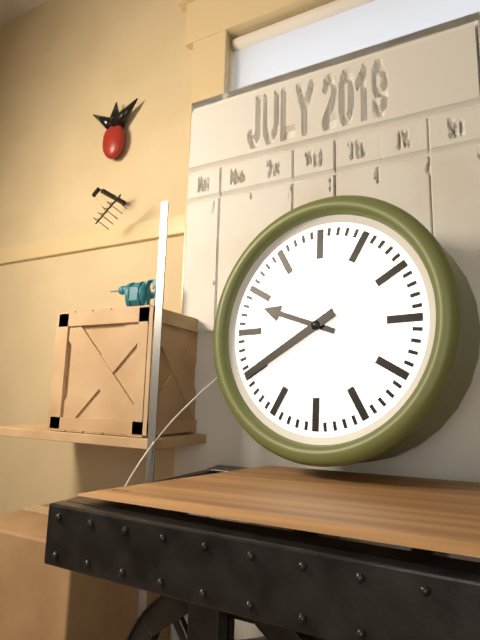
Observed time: 9h40
